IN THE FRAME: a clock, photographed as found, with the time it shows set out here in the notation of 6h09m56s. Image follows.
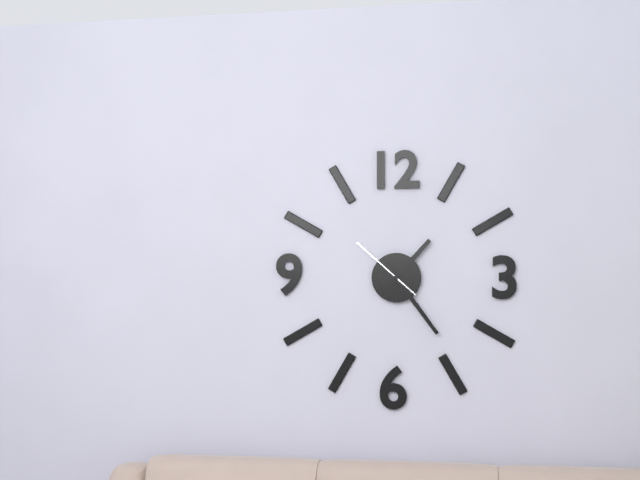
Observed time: 1h24m52s
